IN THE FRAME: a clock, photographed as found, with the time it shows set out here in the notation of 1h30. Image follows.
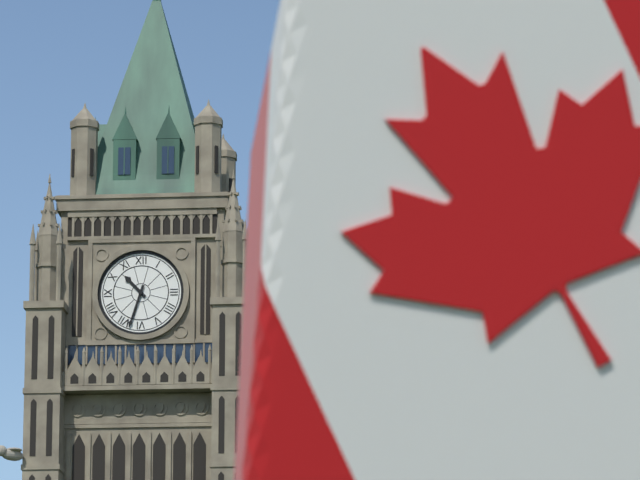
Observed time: 10h33
